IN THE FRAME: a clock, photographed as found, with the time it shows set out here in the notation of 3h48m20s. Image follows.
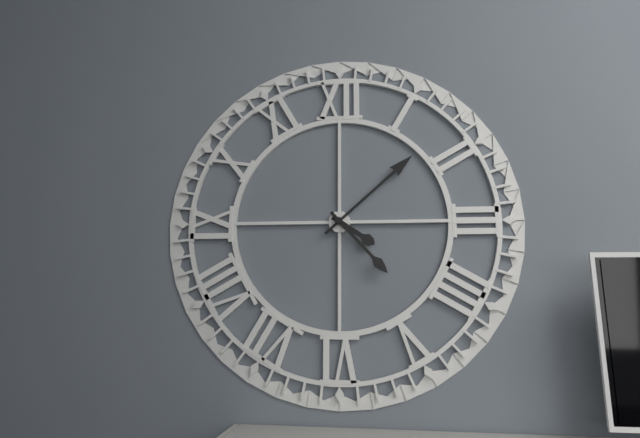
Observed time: 4h08m23s
